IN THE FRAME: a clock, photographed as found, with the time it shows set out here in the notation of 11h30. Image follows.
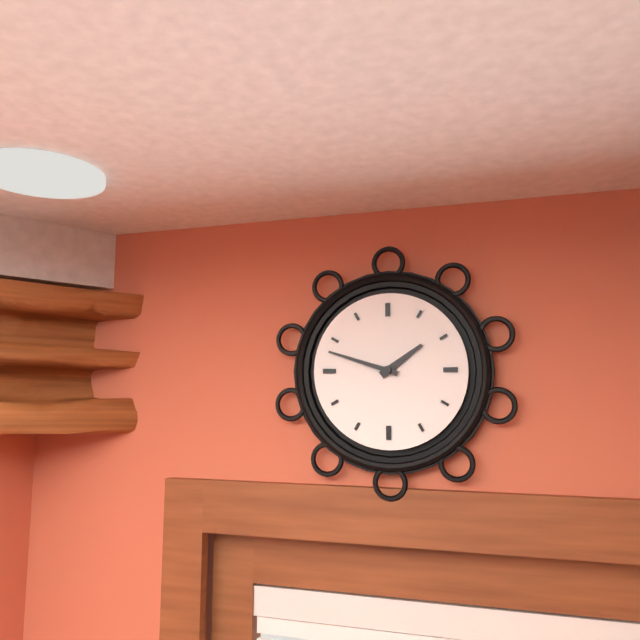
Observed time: 1h48
